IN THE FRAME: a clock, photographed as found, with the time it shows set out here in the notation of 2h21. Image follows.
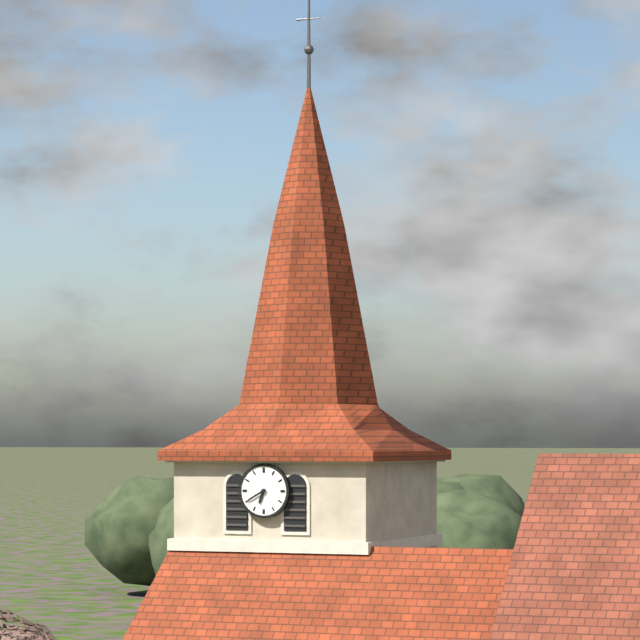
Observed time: 6h40
